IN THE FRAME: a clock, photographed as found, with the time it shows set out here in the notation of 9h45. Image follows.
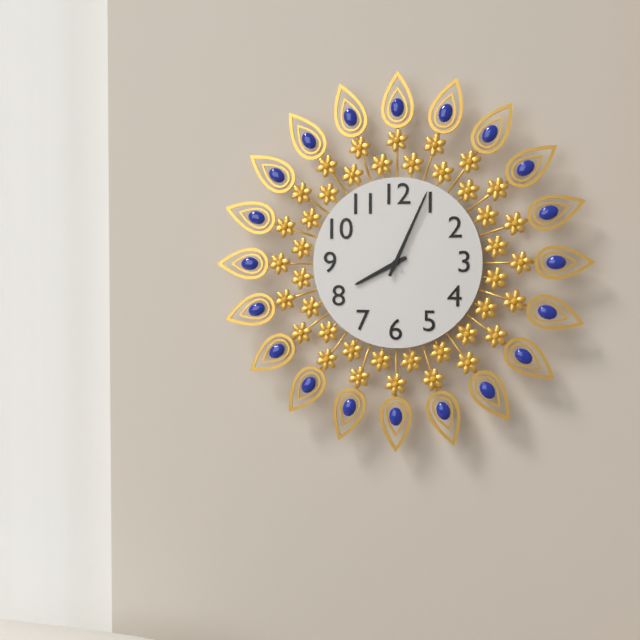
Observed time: 8h04
